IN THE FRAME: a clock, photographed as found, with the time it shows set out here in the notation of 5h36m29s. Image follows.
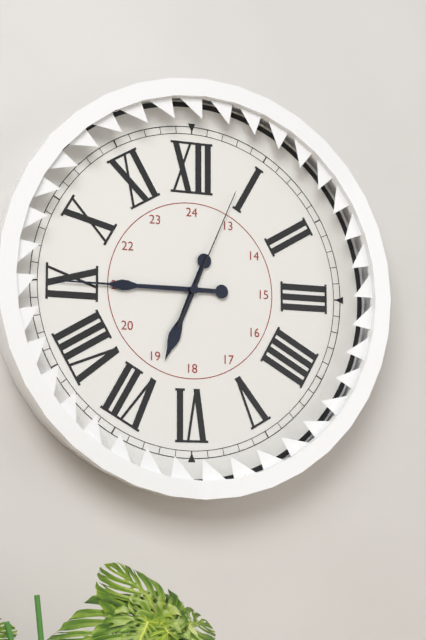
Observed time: 6h45m04s
